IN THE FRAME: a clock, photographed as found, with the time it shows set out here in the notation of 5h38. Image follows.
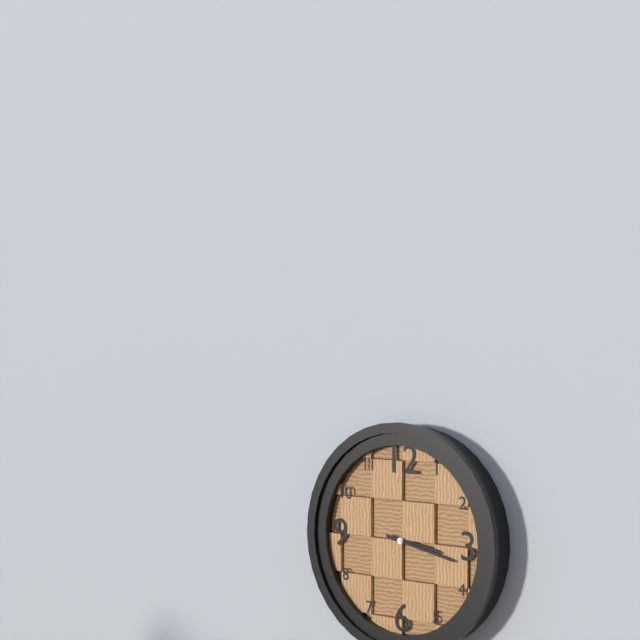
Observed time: 3h17
